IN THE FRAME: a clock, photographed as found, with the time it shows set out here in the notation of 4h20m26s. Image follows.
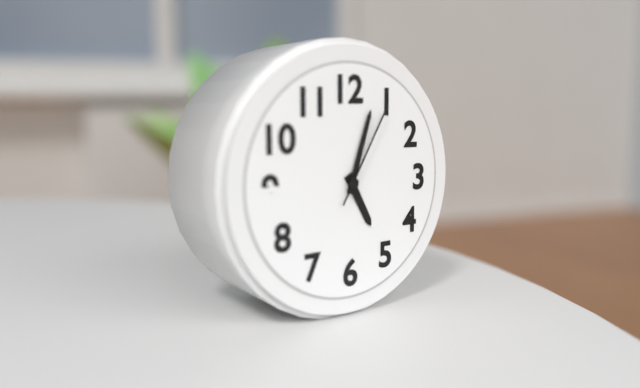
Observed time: 5h03m05s
